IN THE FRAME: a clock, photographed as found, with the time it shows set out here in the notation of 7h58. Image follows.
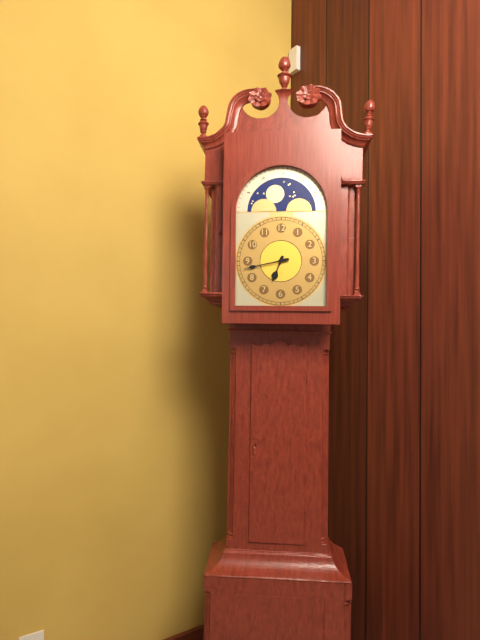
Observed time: 6h43
